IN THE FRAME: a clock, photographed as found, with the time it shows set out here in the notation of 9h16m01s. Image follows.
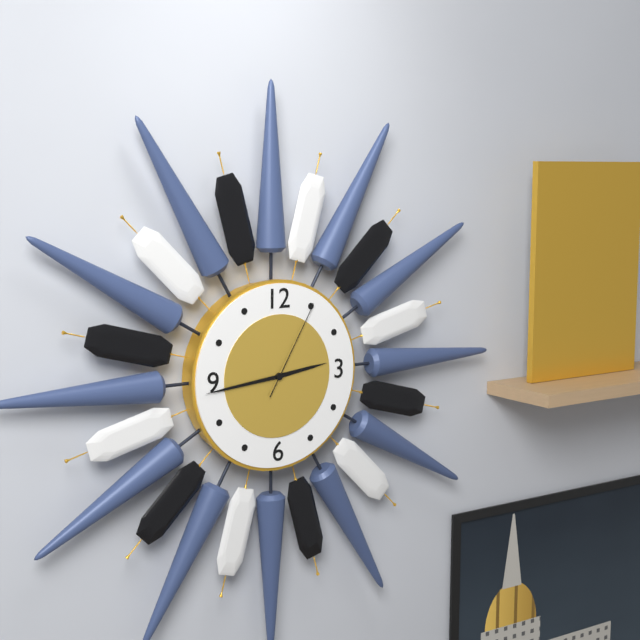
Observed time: 2h44m05s
